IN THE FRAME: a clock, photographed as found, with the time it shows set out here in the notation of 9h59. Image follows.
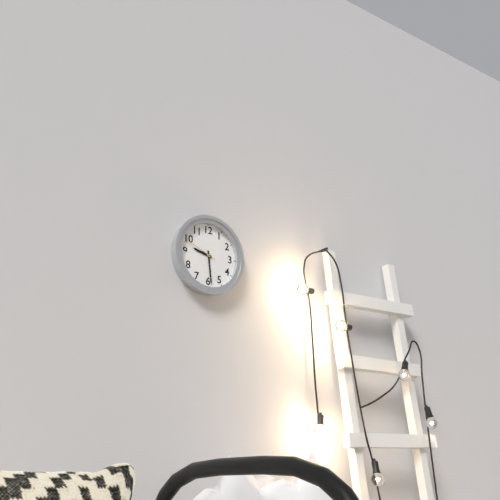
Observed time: 9h29
